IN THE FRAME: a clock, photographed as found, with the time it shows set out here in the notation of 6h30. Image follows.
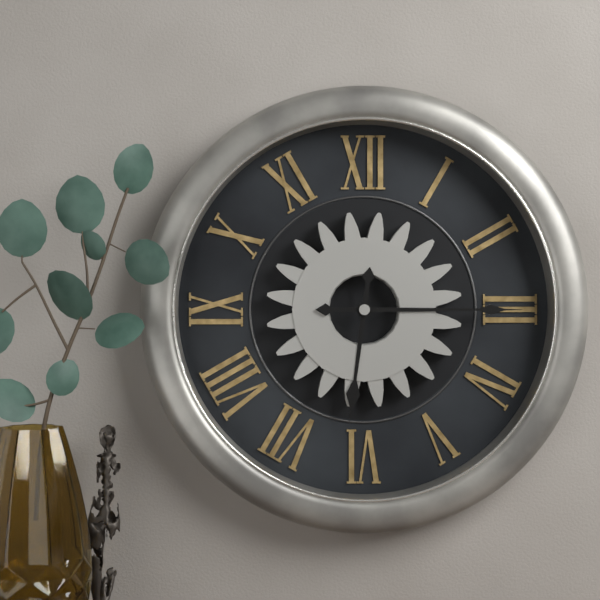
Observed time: 6h15
